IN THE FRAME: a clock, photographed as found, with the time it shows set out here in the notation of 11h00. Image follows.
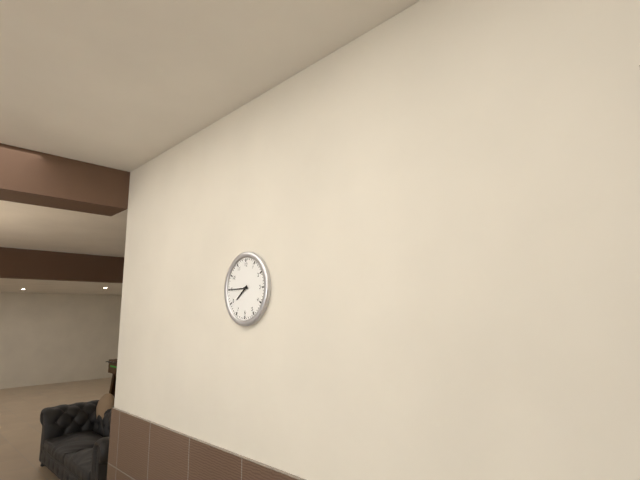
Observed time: 7h45
